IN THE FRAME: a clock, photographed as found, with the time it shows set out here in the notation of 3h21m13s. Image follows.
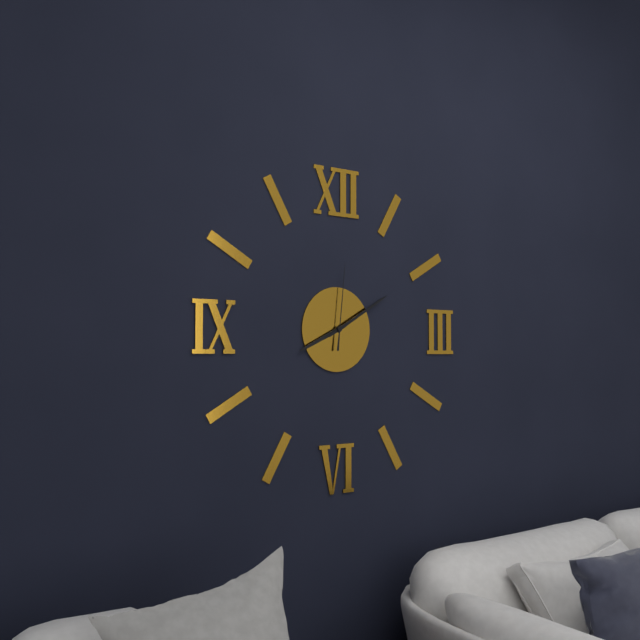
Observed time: 8h10m01s
